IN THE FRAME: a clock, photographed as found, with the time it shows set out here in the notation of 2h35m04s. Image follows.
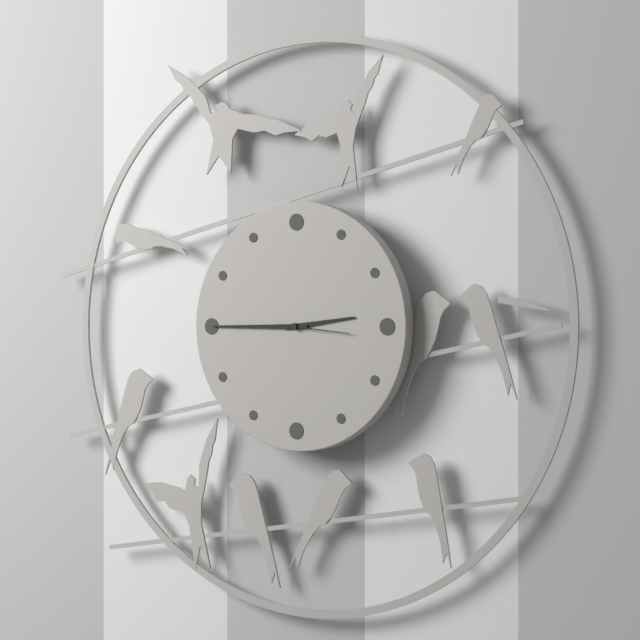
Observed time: 2h45m16s
